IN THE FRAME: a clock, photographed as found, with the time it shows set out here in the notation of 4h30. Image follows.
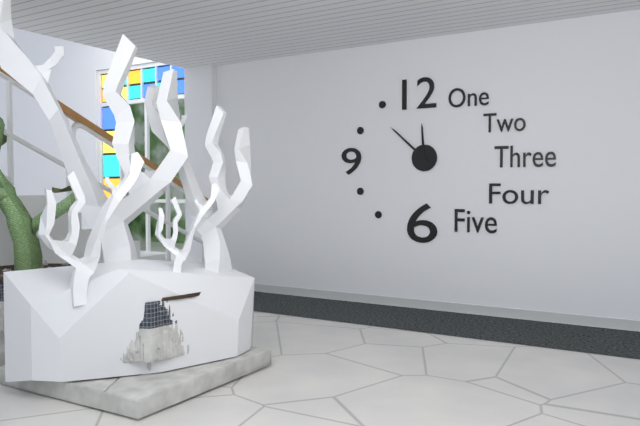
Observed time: 11h52
